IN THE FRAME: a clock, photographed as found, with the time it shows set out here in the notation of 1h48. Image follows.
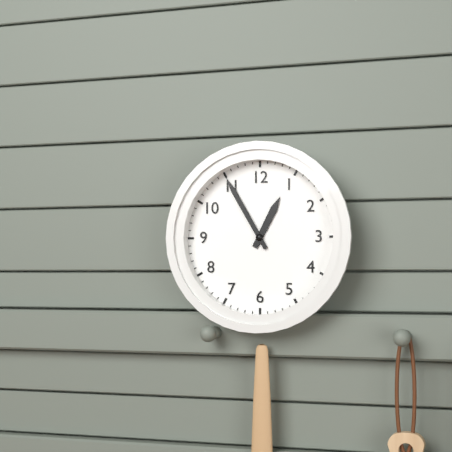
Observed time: 12h55
